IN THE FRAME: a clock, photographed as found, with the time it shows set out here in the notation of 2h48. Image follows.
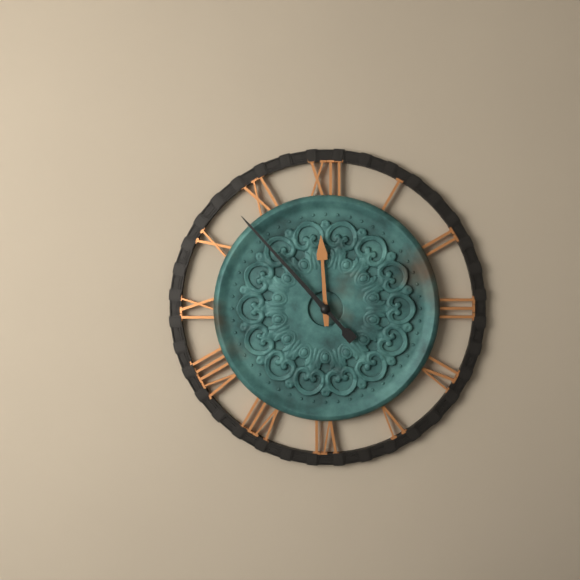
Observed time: 11h53
